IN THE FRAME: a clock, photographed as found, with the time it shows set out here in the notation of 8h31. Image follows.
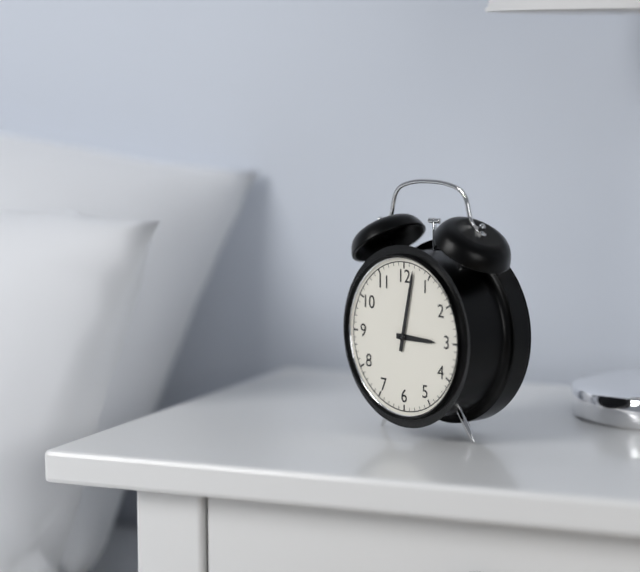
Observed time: 3h02
